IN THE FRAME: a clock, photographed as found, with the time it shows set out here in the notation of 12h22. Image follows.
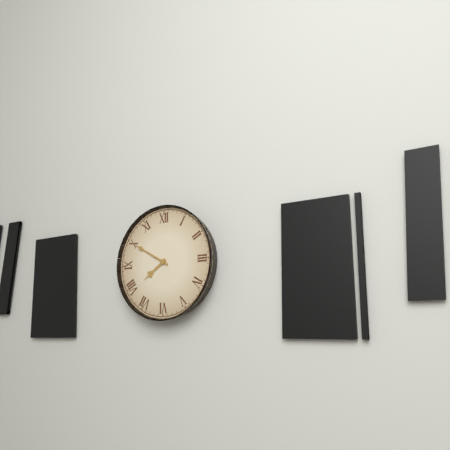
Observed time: 7h50
